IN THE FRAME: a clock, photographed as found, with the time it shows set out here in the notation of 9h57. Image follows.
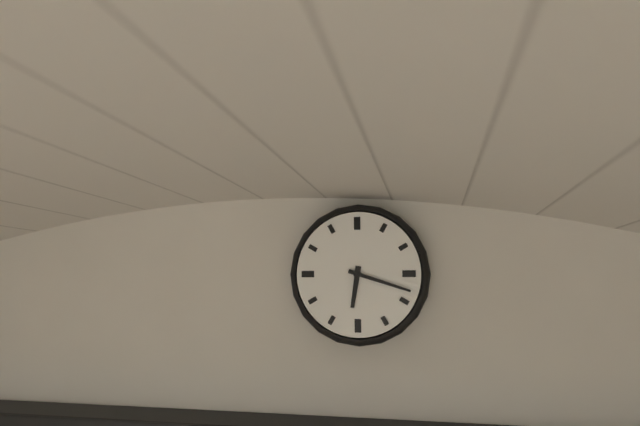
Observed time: 6h18
